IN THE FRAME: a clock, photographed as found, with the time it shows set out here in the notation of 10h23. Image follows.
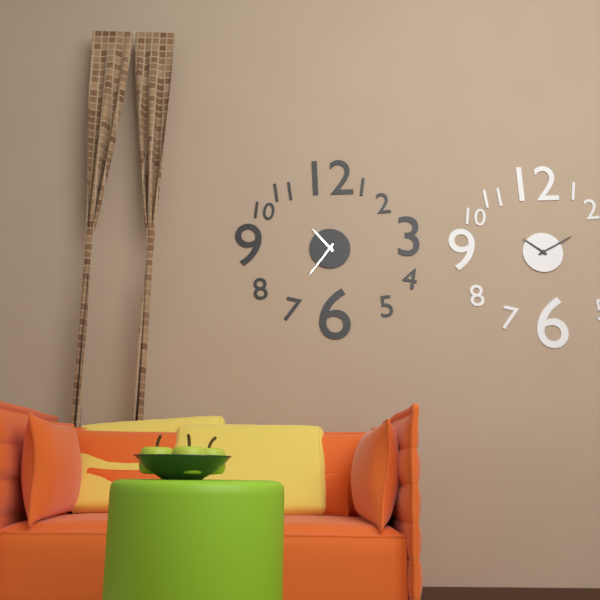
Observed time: 10h36
